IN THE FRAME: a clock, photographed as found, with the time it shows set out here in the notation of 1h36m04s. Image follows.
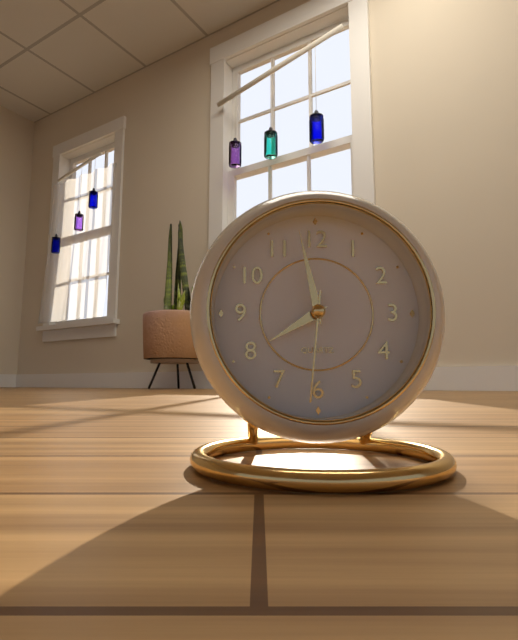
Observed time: 7h58m31s
